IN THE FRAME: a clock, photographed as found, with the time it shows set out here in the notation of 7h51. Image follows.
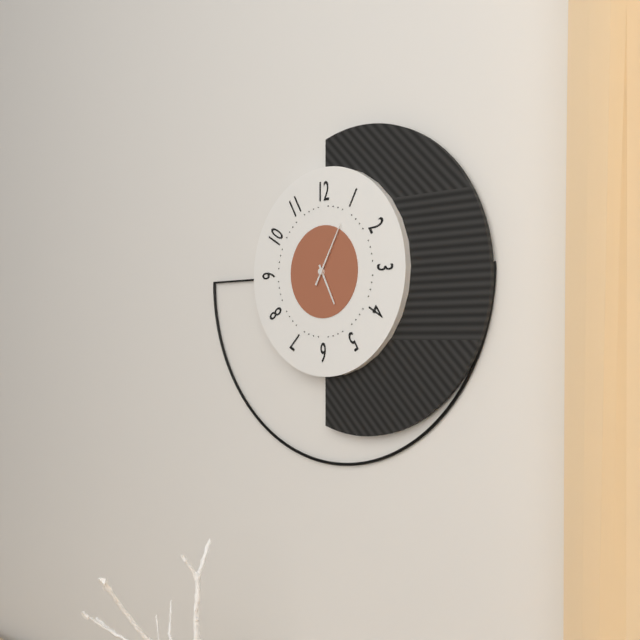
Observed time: 5h05
